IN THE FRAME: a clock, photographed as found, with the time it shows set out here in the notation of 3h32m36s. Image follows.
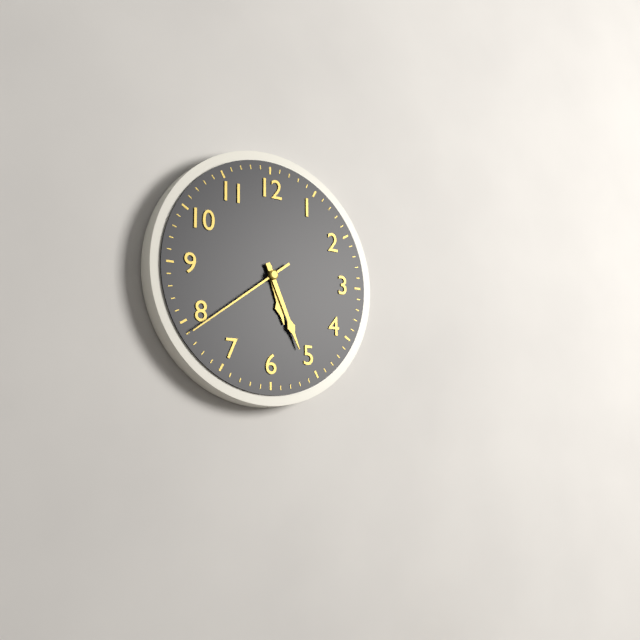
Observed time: 5h26m39s
